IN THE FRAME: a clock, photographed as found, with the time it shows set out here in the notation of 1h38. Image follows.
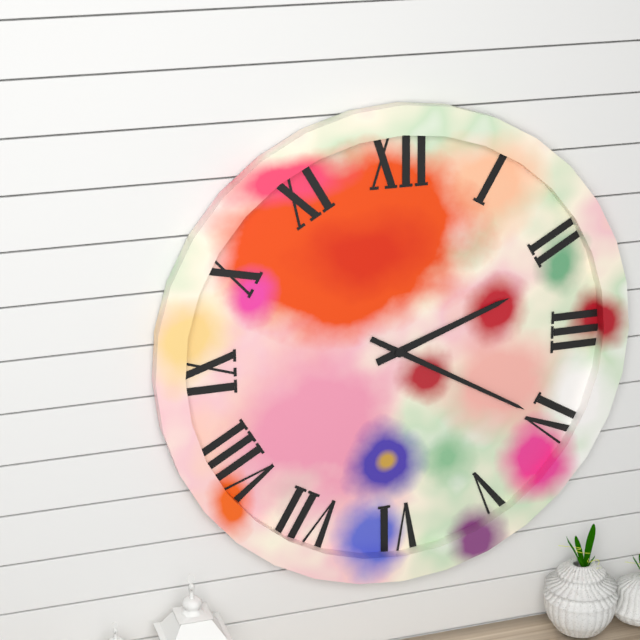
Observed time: 2h20
